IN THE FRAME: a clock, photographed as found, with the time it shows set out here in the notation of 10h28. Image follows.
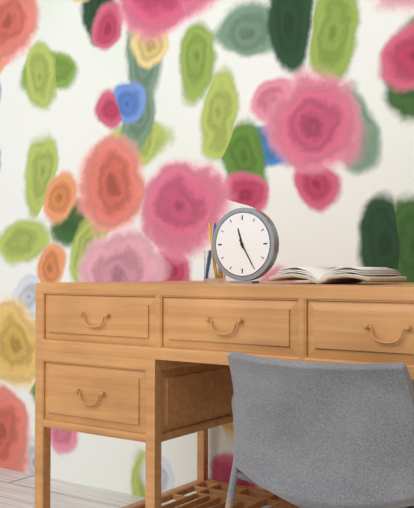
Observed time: 11h25
